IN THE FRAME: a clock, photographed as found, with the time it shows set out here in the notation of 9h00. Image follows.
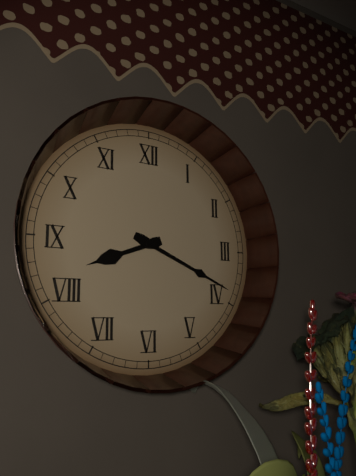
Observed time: 8h19
